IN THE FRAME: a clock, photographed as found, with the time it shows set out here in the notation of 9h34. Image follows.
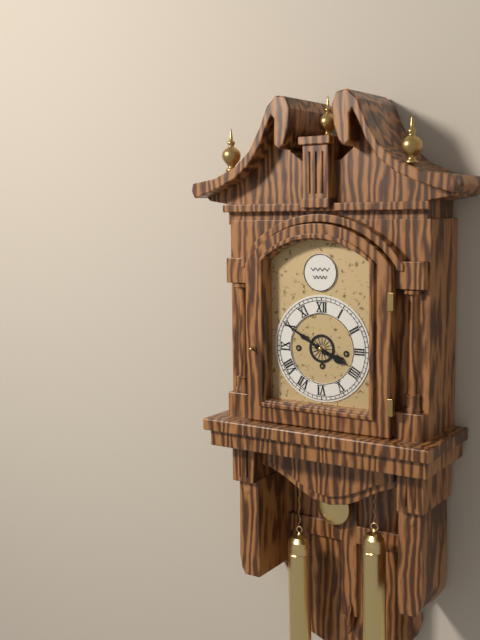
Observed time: 3h50
